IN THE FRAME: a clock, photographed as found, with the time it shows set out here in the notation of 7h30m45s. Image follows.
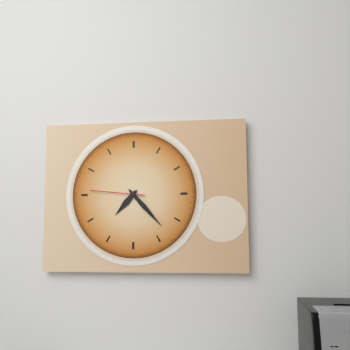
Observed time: 7h23m46s
